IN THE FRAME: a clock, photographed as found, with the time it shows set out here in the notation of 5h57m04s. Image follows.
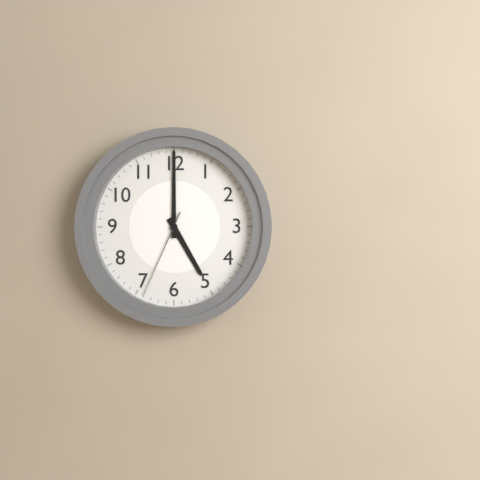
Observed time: 5h00m34s
